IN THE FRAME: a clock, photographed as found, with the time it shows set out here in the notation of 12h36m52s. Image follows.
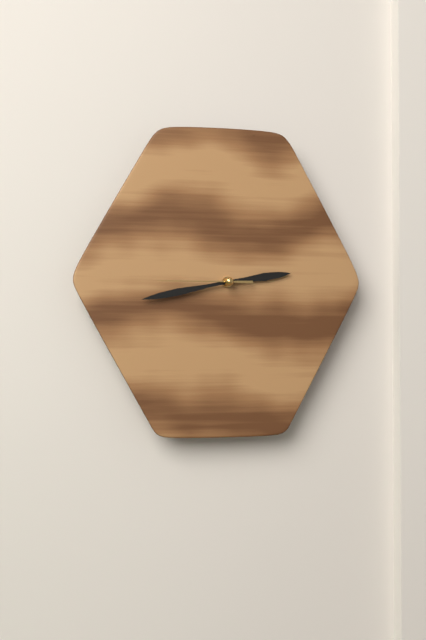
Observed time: 2h43m45s
